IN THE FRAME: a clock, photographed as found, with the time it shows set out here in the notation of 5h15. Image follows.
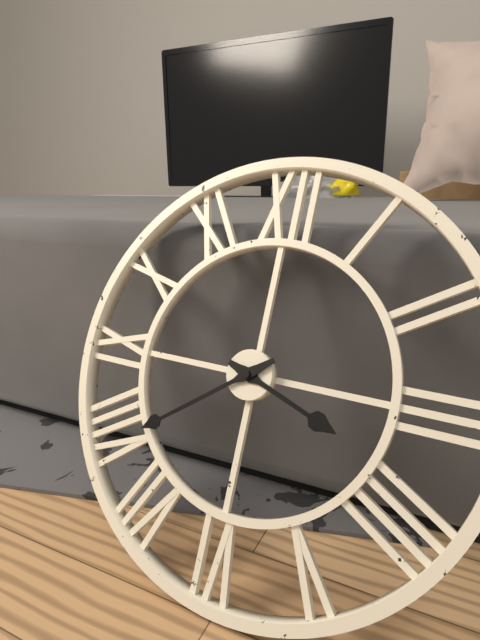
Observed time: 3h39
